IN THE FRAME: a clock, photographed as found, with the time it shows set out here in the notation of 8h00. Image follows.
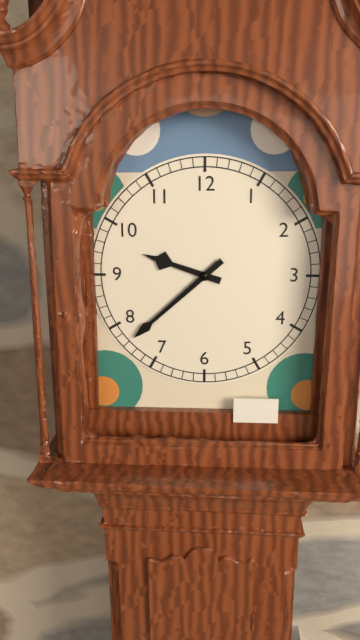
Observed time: 9h38
